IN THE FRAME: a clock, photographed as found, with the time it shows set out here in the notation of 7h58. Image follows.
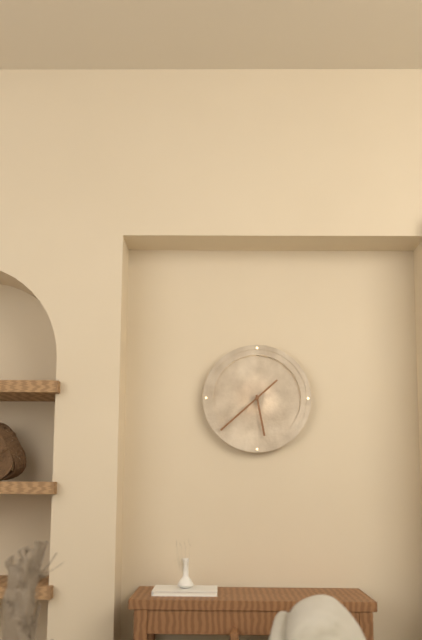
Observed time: 5h38
